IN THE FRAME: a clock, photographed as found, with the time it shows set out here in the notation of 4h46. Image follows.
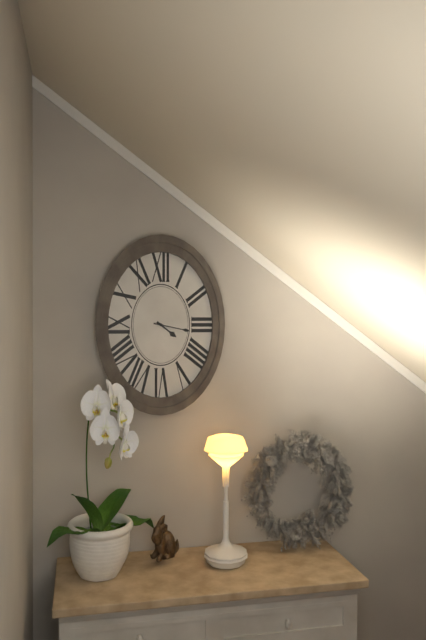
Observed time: 4h17
